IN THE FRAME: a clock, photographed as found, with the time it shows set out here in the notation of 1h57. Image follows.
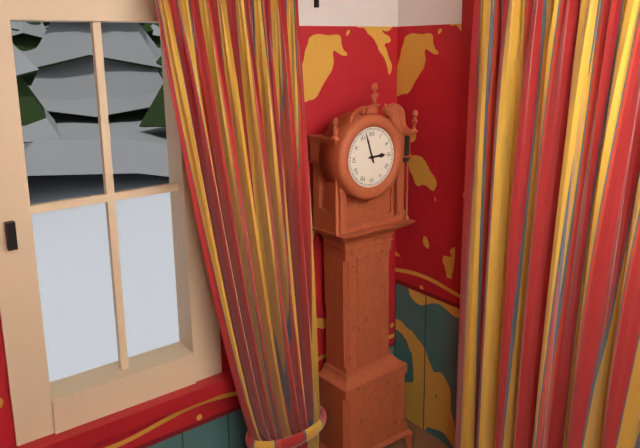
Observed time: 2h57
